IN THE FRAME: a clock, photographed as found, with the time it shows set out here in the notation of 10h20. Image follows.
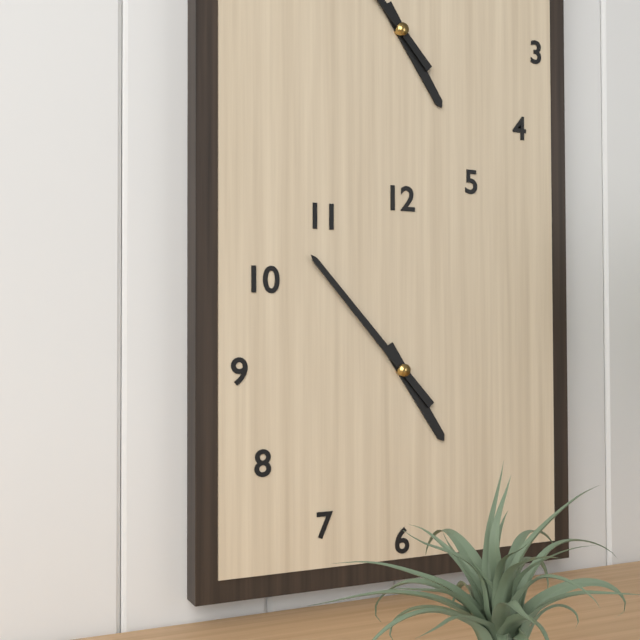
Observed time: 4h53
